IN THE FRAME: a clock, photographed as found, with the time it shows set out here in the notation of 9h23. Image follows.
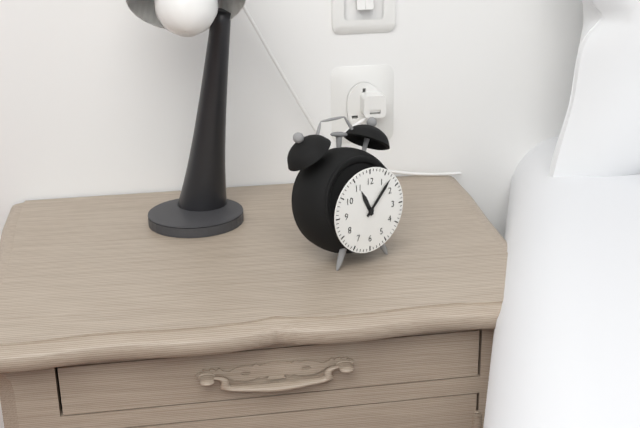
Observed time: 11h07
